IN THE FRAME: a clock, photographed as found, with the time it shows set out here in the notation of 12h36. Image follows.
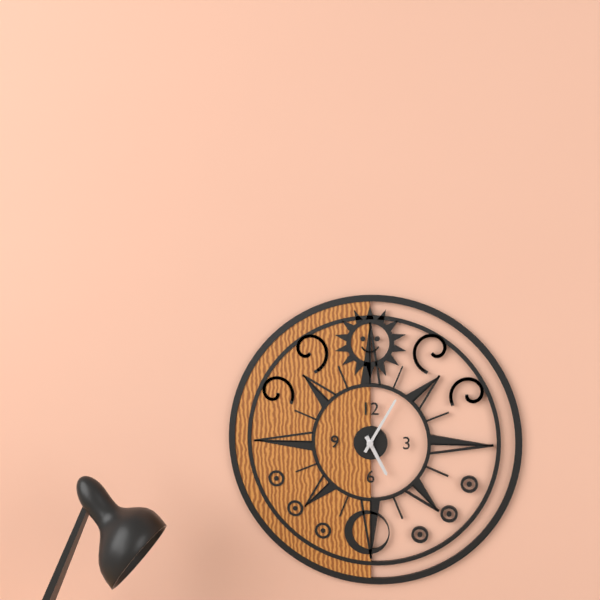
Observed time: 5h05
